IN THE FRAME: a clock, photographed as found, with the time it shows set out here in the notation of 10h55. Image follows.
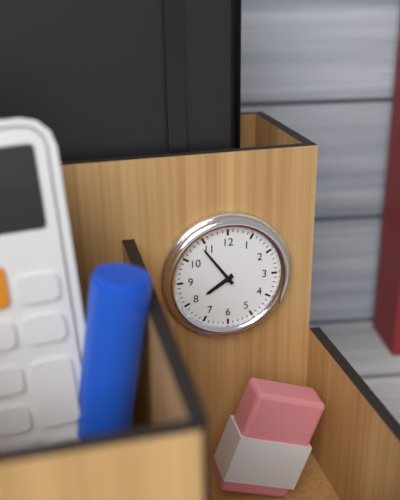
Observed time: 7h54
